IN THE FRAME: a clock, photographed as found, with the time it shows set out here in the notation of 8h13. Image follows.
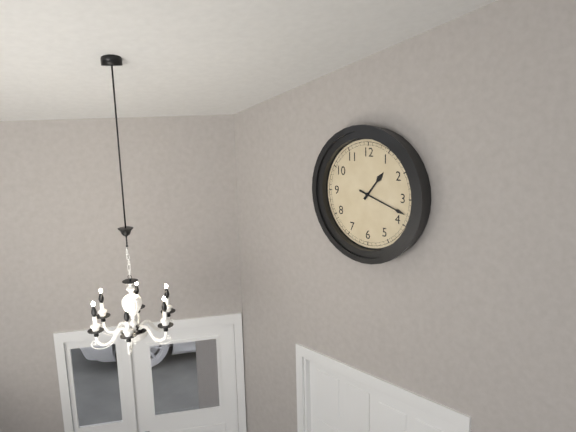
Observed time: 1h18
